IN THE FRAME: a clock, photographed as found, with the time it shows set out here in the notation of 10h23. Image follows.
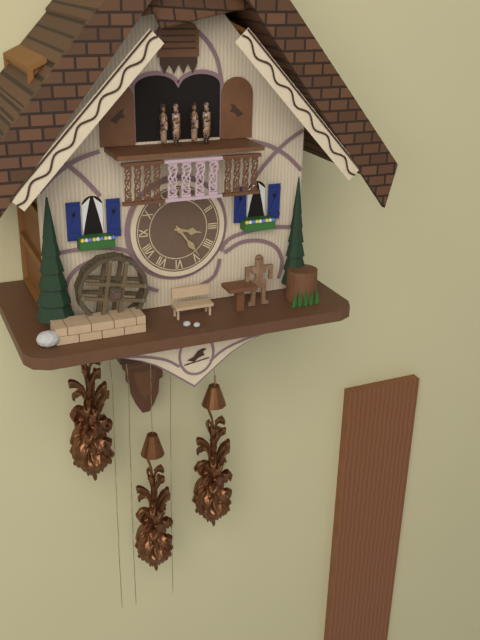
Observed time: 3h24
